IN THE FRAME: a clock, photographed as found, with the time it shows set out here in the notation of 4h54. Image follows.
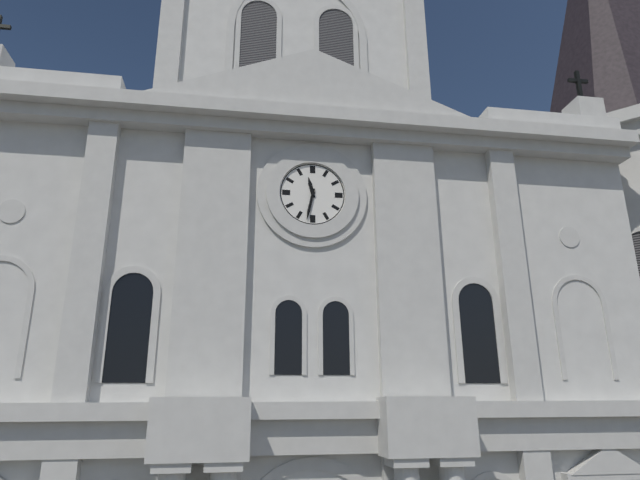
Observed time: 11h32
